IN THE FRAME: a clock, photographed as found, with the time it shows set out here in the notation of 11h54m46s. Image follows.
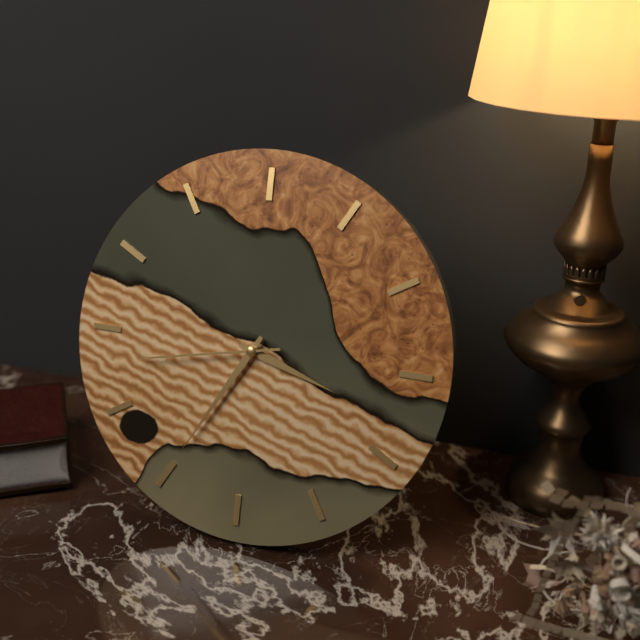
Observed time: 3h35m43s
